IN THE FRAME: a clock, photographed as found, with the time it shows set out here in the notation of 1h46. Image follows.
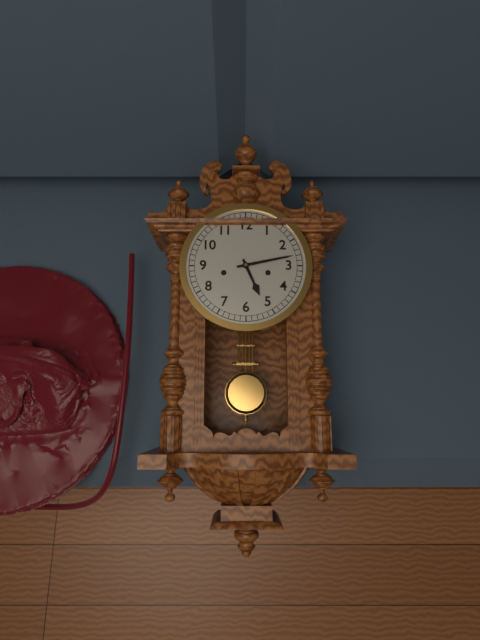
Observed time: 5h13
